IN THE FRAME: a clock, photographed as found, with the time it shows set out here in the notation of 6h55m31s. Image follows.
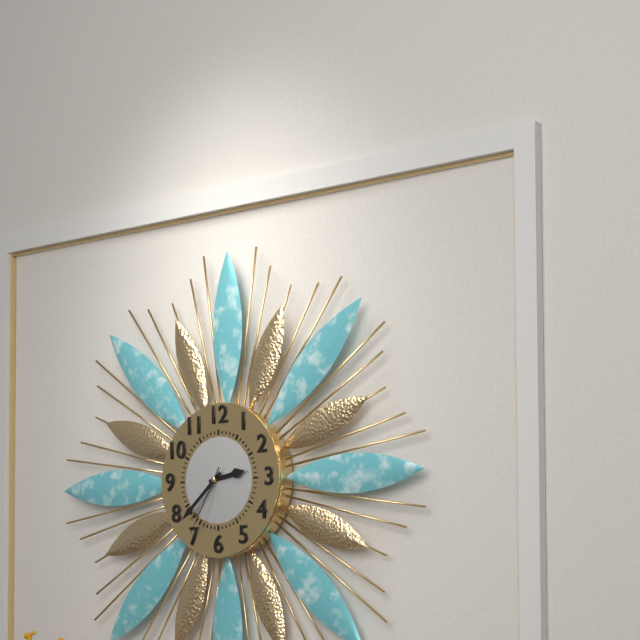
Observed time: 2h38m35s
